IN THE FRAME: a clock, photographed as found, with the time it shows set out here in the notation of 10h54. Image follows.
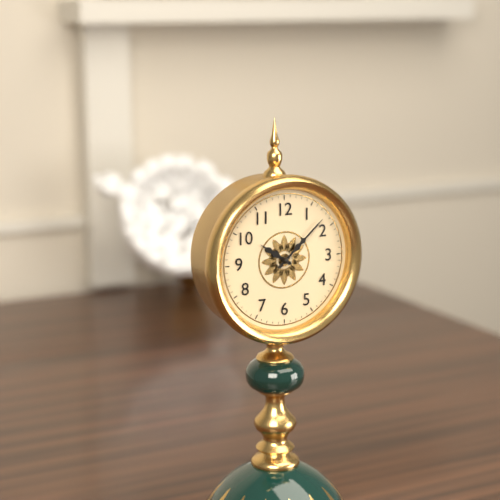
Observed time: 10h08
